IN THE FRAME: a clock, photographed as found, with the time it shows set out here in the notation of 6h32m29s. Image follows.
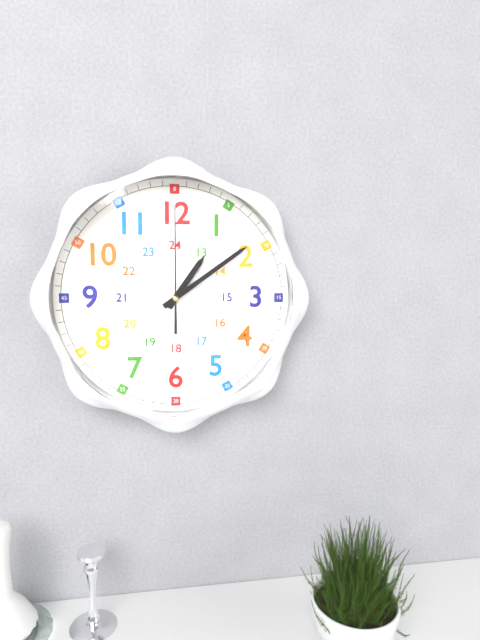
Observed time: 1h09m00s
